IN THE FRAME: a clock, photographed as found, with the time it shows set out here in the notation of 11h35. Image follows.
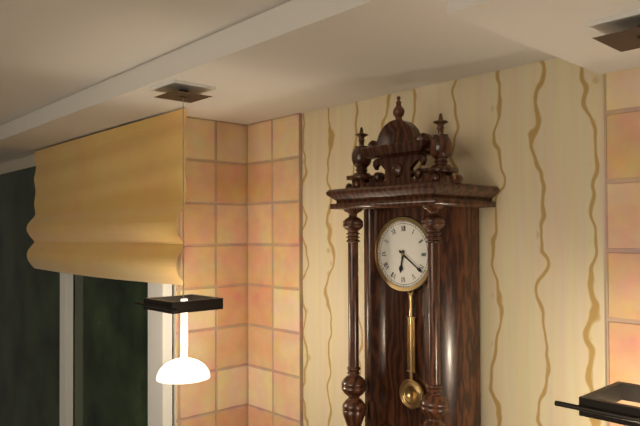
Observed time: 6h21
